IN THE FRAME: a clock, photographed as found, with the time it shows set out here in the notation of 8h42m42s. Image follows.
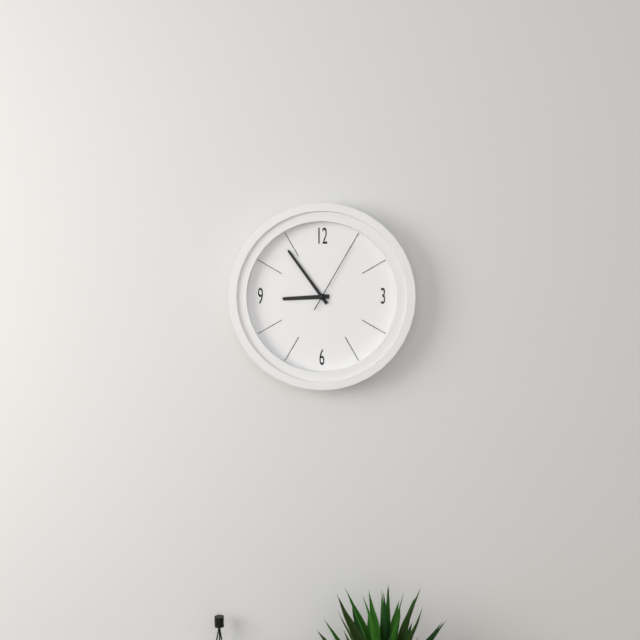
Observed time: 8h54m05s
